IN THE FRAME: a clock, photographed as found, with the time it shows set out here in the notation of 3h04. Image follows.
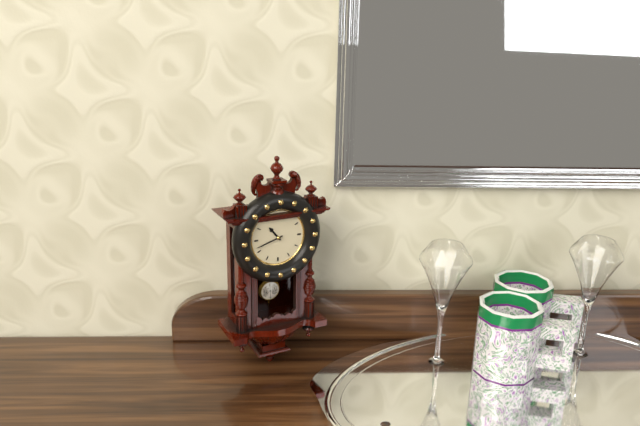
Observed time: 10h42
